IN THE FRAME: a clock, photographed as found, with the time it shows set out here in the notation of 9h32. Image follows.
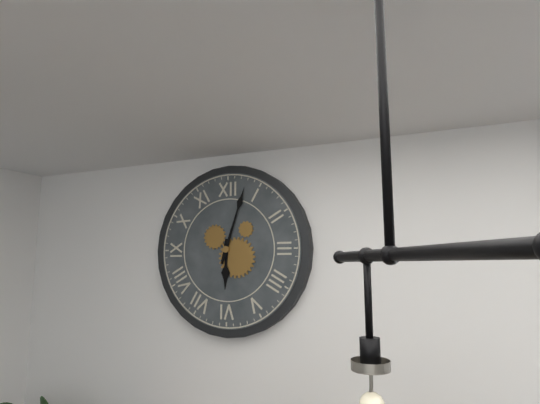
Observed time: 6h03
